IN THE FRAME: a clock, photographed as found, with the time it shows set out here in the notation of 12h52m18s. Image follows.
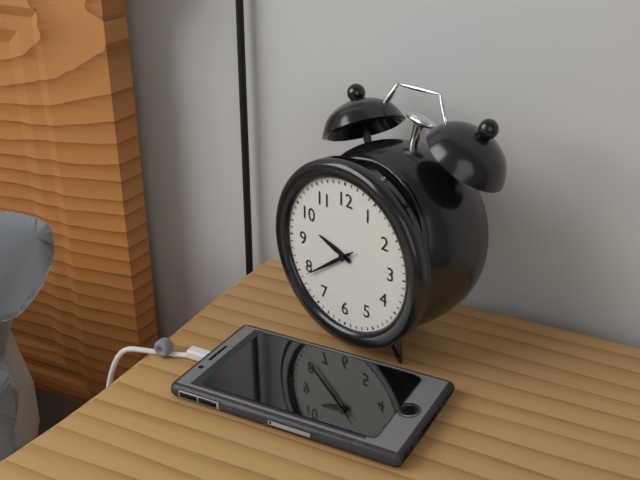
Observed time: 9h39m39s
